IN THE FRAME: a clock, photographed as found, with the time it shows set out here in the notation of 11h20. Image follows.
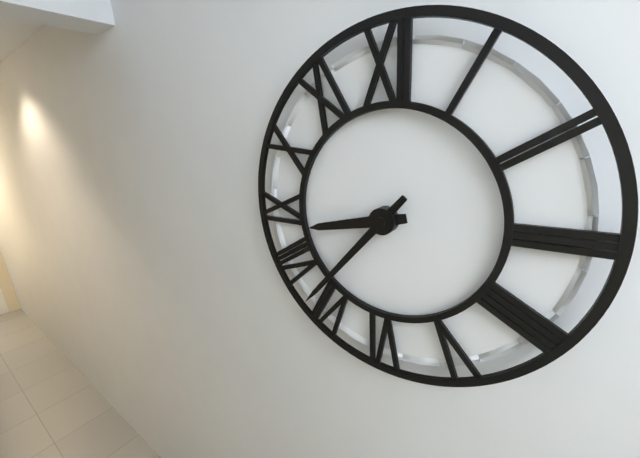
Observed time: 8h37
